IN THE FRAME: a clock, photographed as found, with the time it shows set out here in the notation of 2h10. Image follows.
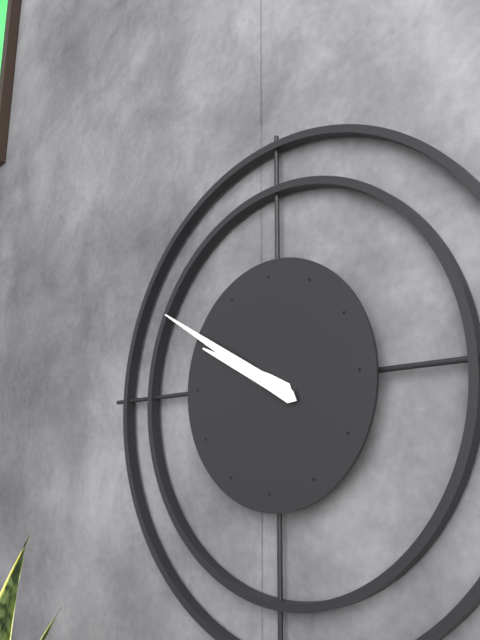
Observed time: 9h50
